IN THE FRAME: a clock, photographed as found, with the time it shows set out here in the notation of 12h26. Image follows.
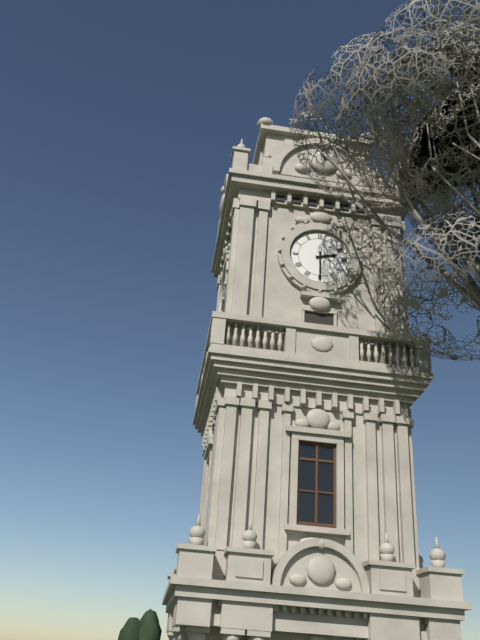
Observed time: 2h30
